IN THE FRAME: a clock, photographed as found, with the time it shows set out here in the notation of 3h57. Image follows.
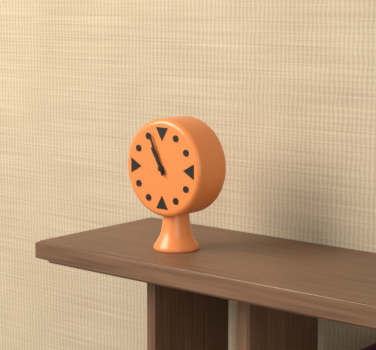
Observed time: 10h56
